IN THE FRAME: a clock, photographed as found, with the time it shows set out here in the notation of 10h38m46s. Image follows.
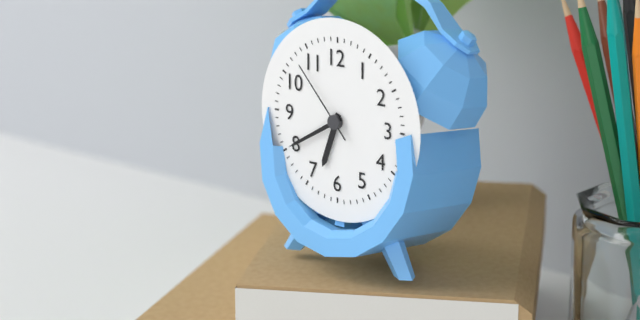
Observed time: 6h40m53s
